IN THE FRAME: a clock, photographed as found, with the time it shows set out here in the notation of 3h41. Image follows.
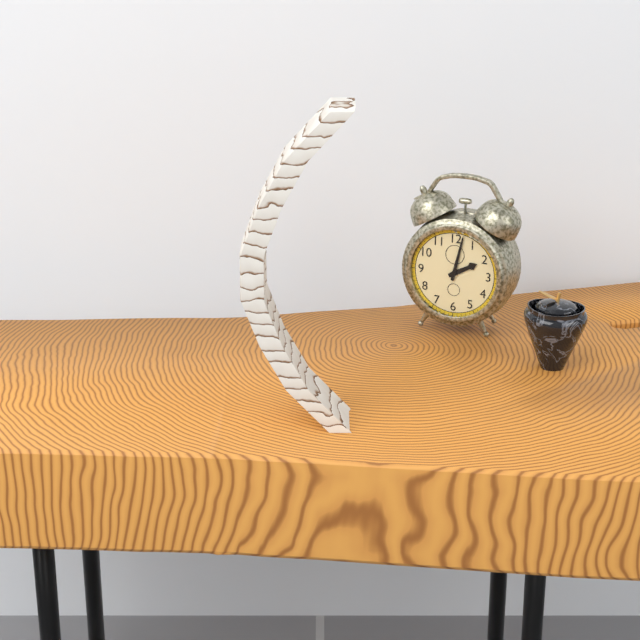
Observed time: 2h02
